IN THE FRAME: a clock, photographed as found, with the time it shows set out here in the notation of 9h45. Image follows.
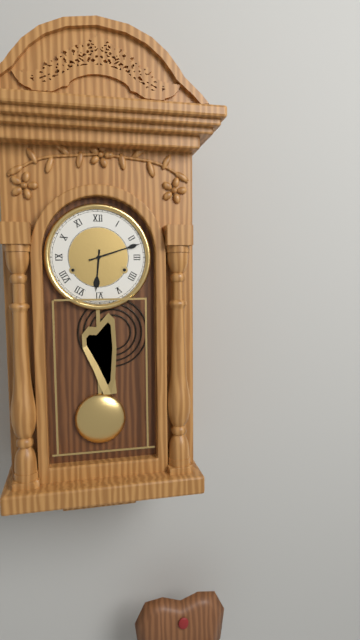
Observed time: 6h12
